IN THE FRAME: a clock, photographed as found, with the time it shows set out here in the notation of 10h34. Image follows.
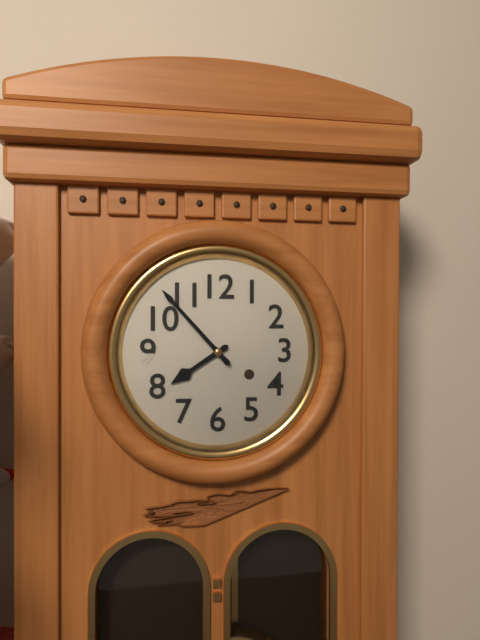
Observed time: 7h53
